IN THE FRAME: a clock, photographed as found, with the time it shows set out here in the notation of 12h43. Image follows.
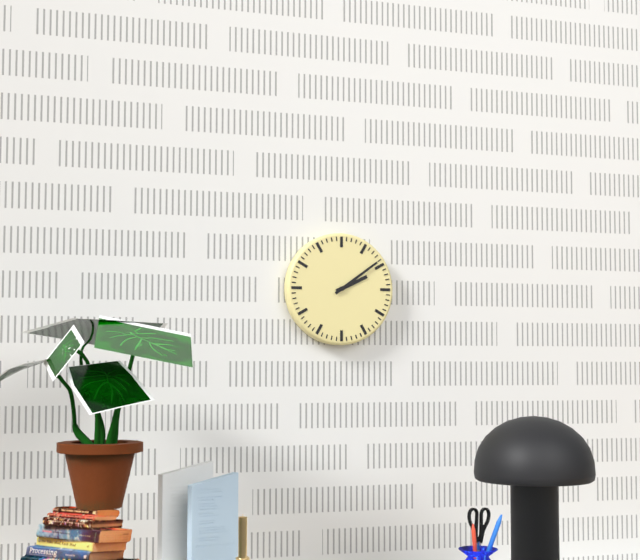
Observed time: 2h09
